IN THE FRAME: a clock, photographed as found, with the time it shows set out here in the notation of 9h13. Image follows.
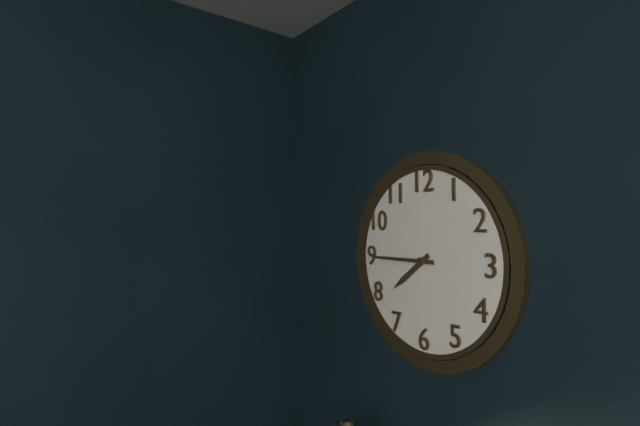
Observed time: 7h45
